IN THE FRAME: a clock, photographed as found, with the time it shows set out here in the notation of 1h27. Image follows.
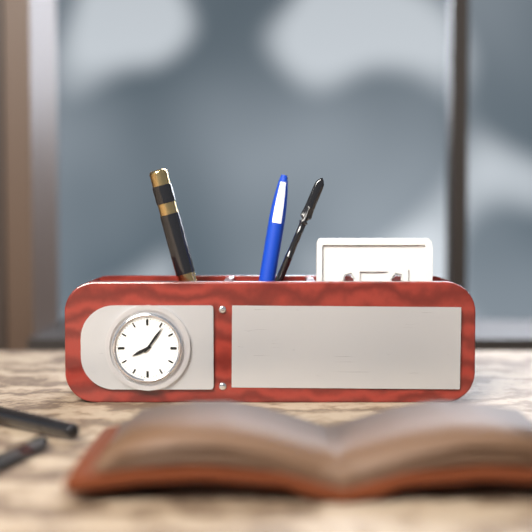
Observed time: 8h06
